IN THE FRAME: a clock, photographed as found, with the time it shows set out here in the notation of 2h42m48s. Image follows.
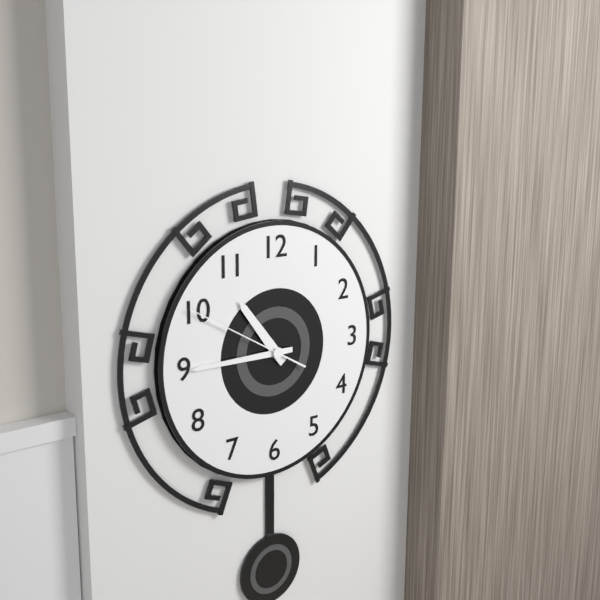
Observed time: 10h45m50s
